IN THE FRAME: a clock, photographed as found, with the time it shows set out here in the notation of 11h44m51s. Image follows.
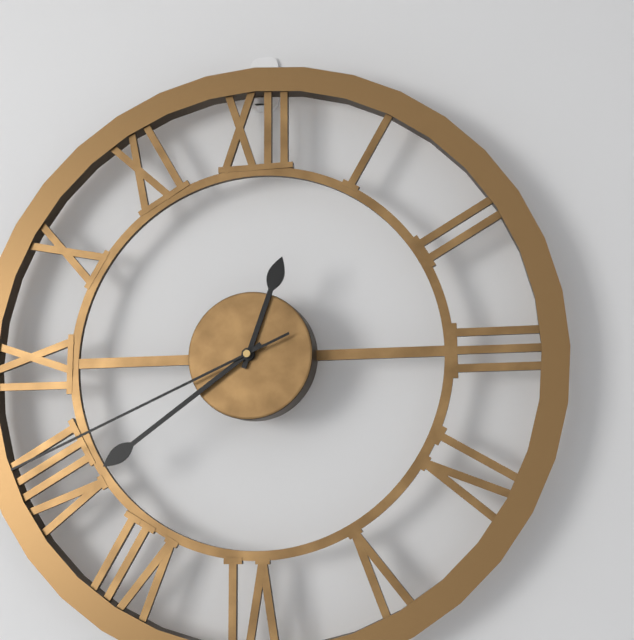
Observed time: 12h39m41s
